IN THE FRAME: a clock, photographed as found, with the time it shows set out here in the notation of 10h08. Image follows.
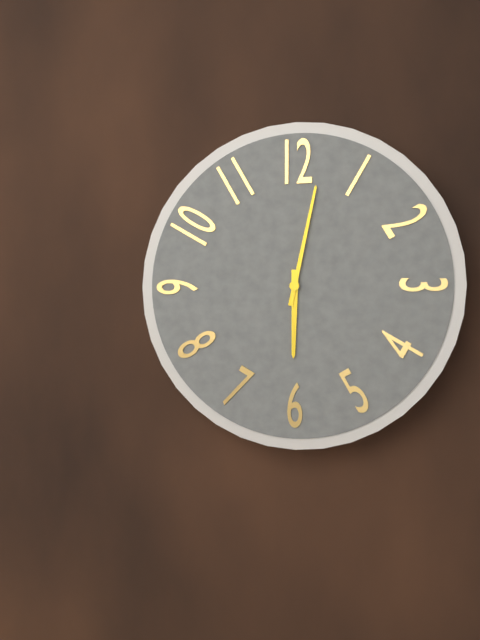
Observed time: 6h02
